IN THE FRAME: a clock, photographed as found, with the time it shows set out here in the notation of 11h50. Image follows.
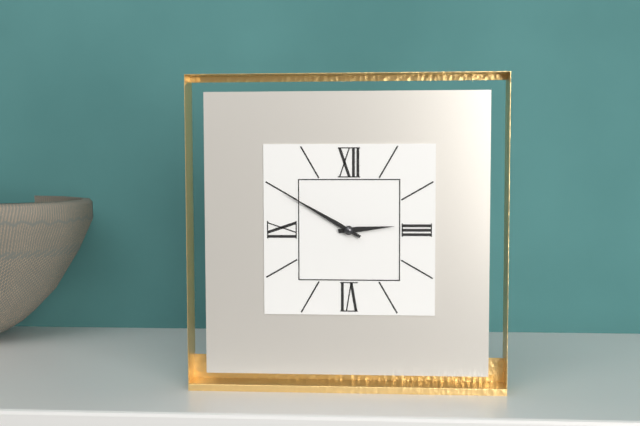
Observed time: 2h50
